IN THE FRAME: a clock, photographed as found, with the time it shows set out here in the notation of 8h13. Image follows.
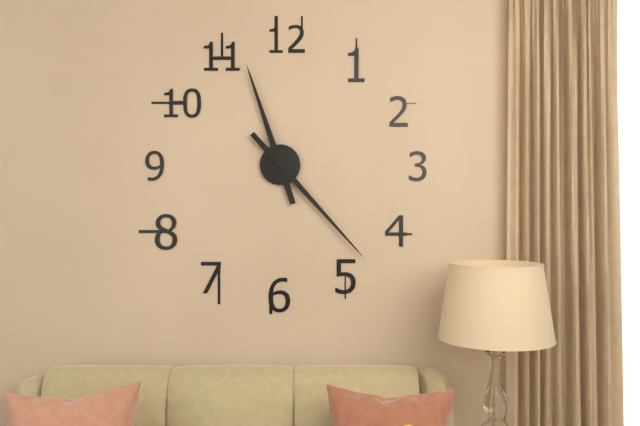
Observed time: 11h23
